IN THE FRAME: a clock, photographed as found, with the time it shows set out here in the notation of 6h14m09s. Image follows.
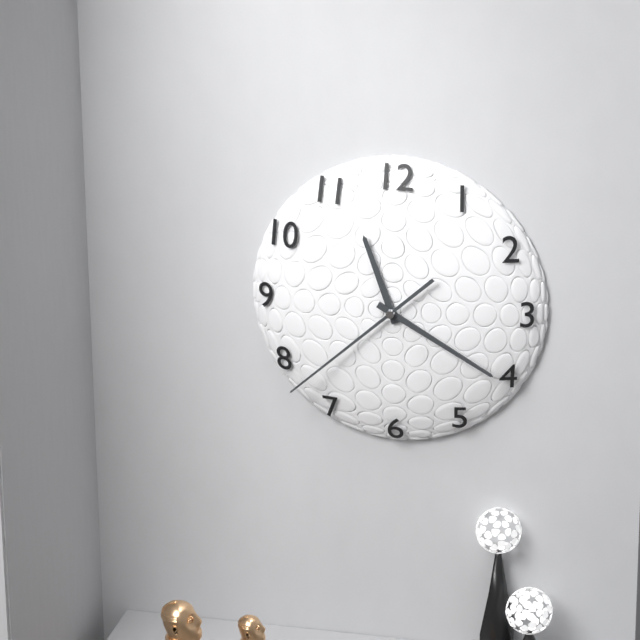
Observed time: 11h20m38s
